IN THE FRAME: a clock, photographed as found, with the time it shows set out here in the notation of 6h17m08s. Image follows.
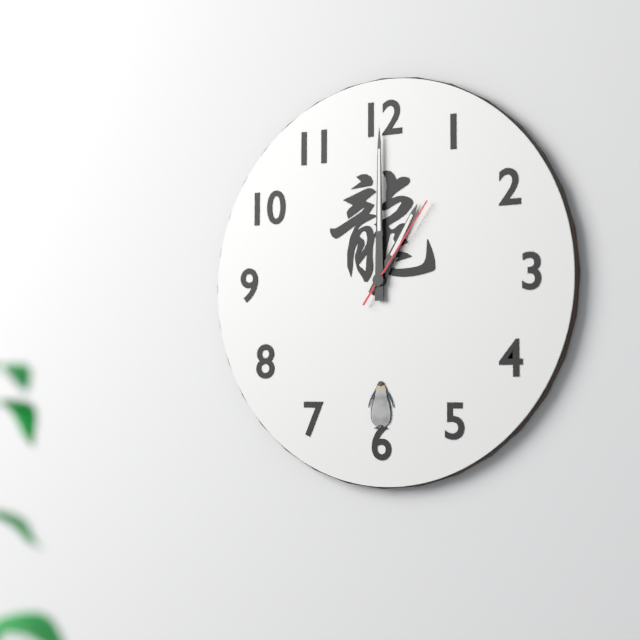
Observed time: 1h00m06s
